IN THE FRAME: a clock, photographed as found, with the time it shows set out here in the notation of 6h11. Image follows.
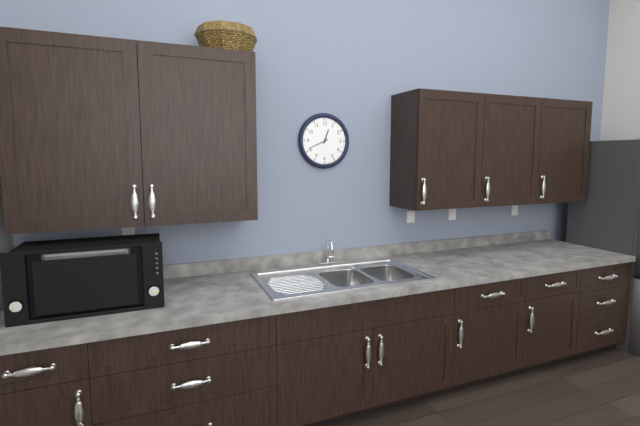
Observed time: 12h41
